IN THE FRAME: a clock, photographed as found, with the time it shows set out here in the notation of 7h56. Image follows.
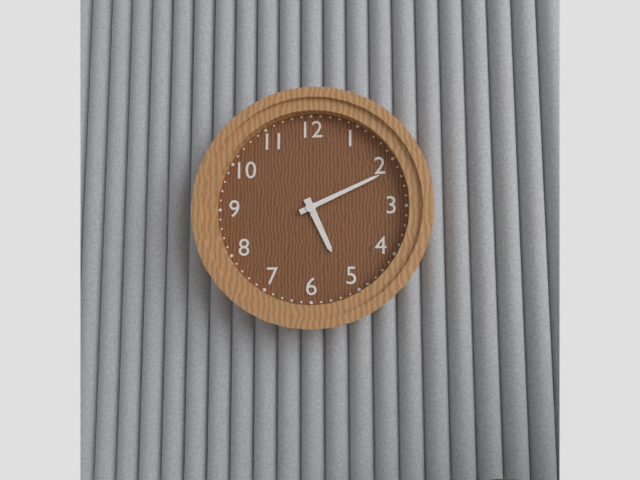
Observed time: 5h11
